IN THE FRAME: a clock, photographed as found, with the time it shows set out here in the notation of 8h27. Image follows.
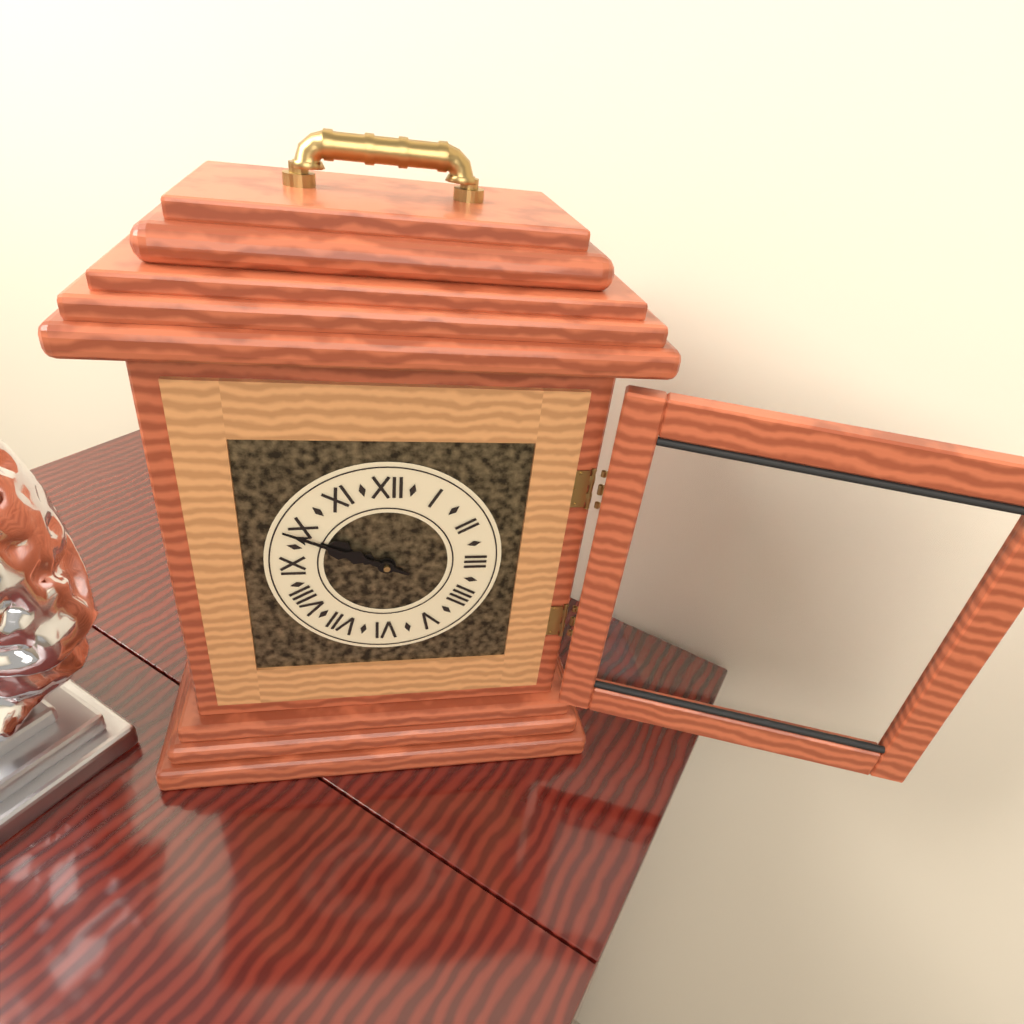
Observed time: 9h49
